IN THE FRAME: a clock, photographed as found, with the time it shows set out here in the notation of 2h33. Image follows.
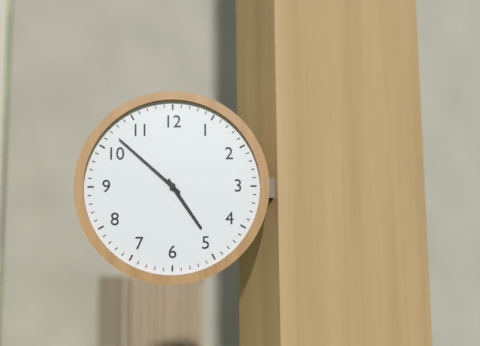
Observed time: 4h52
